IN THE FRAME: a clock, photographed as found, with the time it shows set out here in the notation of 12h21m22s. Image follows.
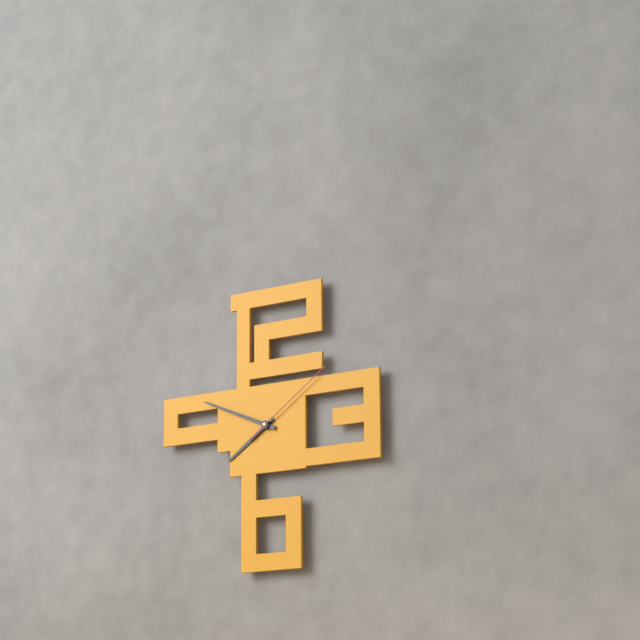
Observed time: 7h49m09s
